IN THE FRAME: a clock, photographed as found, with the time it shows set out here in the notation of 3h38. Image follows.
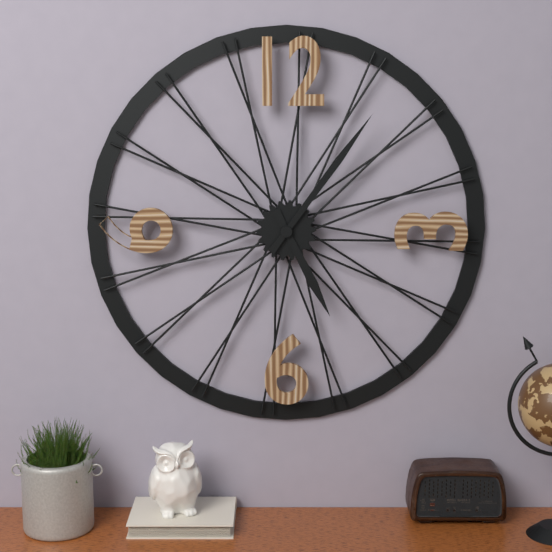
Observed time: 5h06
